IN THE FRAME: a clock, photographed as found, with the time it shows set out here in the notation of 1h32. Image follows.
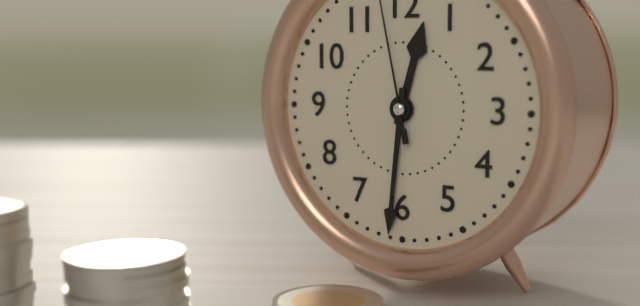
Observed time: 12h31
